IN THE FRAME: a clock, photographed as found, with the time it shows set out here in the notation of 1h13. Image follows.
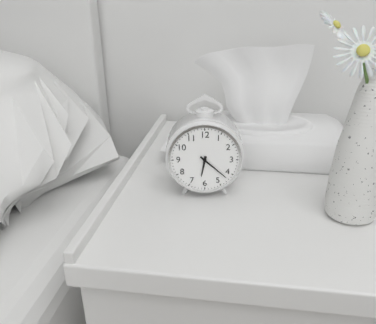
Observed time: 6h22
